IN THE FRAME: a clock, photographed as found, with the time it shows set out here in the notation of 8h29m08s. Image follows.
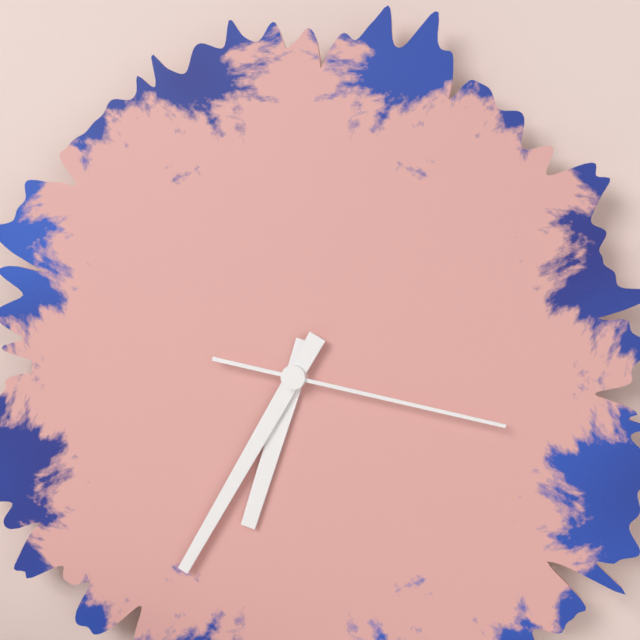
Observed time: 6h35m17s
